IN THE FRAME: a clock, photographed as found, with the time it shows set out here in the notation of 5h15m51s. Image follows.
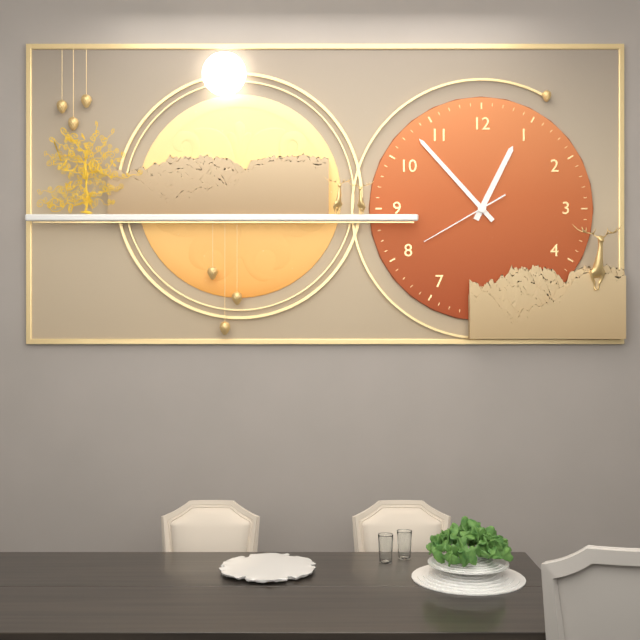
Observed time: 12h53m40s
